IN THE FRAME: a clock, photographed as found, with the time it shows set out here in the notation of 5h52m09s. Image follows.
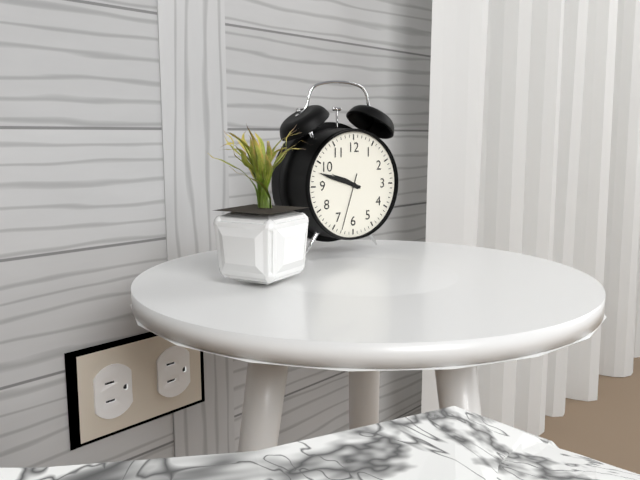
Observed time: 9h48m33s
